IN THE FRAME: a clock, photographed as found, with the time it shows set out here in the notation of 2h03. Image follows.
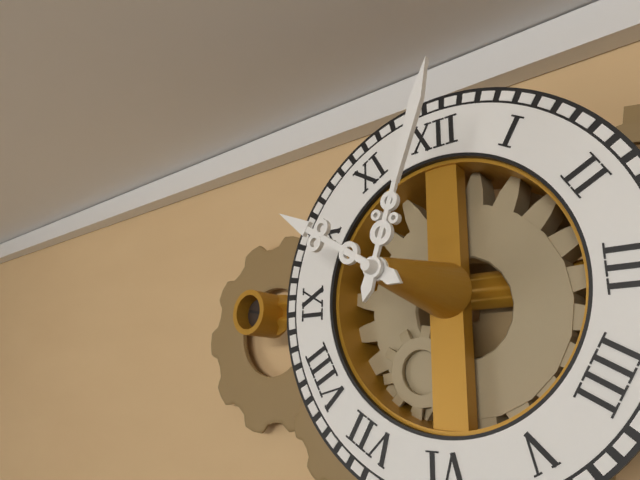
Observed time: 10h03
